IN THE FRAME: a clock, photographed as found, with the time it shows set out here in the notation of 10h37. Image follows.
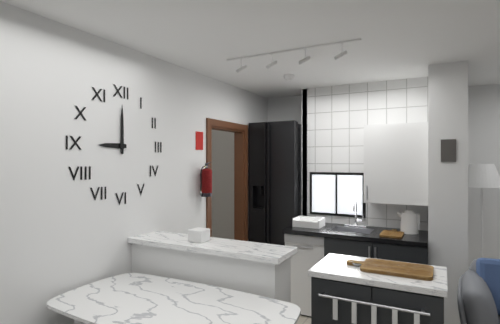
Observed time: 9h00
